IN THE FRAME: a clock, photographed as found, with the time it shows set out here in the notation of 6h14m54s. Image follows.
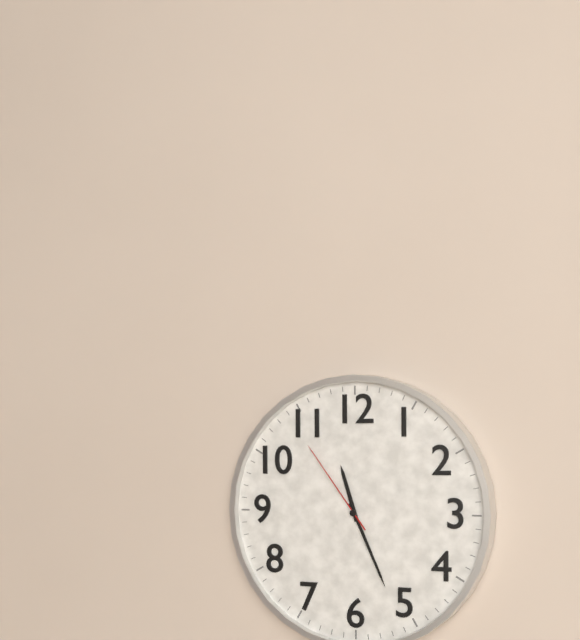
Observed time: 11h26m54s
